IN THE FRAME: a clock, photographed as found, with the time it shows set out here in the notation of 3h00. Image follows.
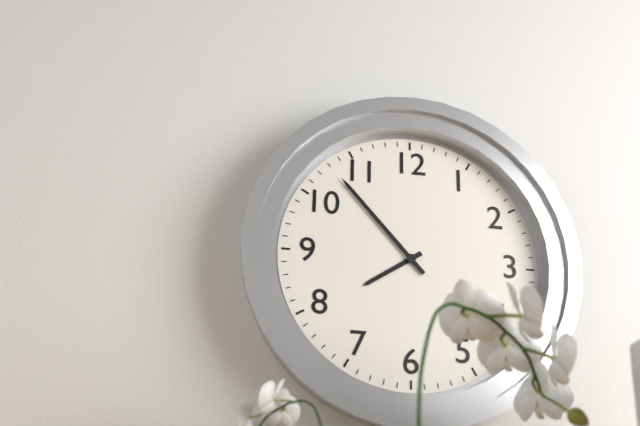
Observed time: 7h53
